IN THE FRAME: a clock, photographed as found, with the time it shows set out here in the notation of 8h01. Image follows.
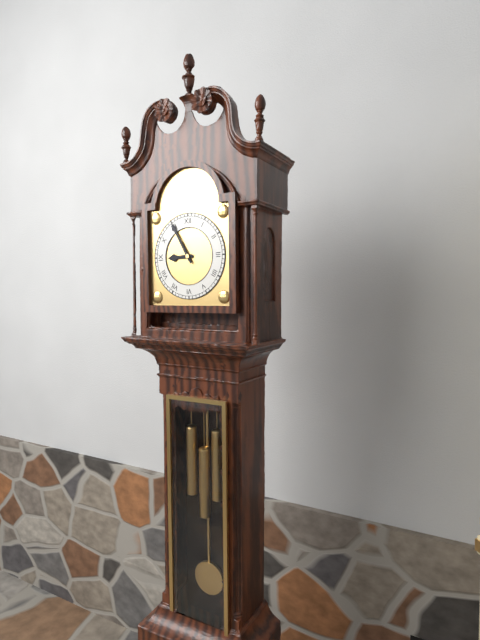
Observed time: 8h55
